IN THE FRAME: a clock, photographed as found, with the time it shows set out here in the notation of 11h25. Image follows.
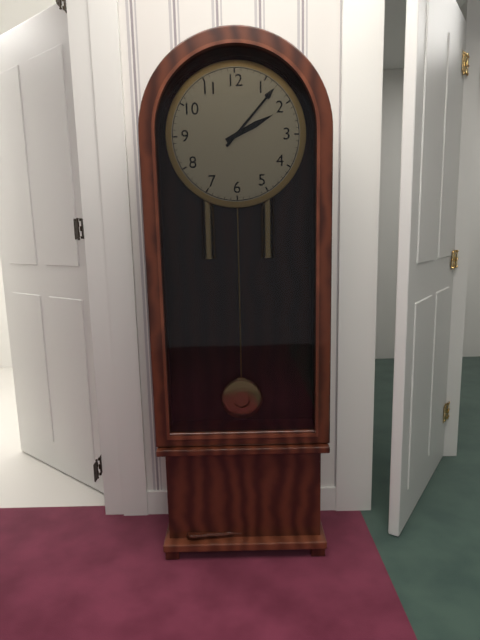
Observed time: 2h07
